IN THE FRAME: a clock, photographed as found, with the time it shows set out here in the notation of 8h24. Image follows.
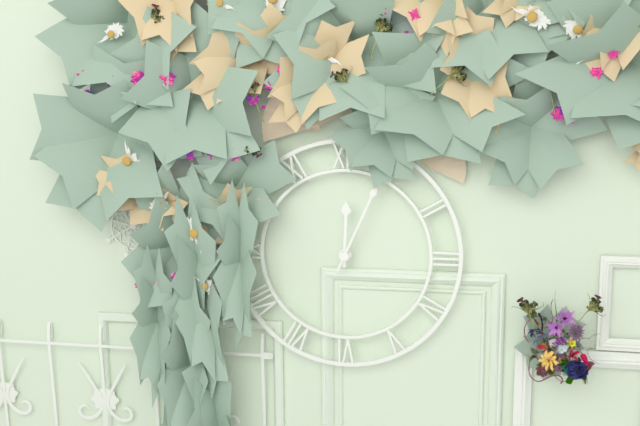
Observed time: 12h04
